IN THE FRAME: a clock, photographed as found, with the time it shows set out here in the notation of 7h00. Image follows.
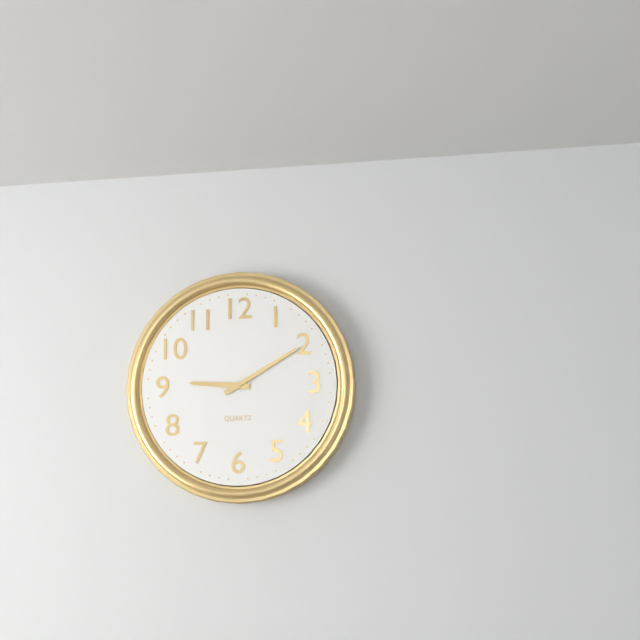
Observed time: 9h10
